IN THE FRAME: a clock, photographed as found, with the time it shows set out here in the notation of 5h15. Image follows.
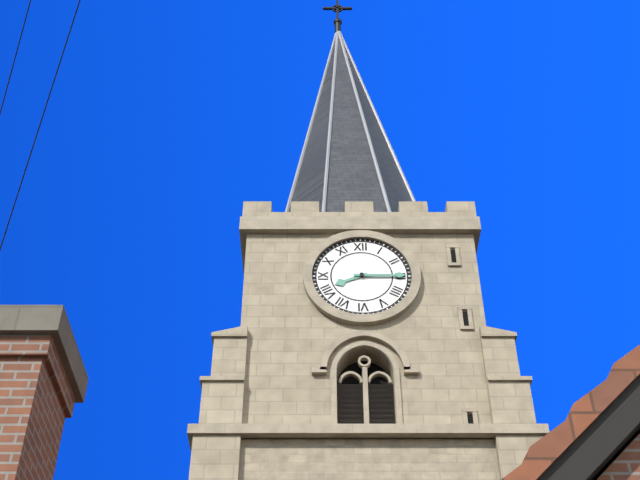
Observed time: 8h15
